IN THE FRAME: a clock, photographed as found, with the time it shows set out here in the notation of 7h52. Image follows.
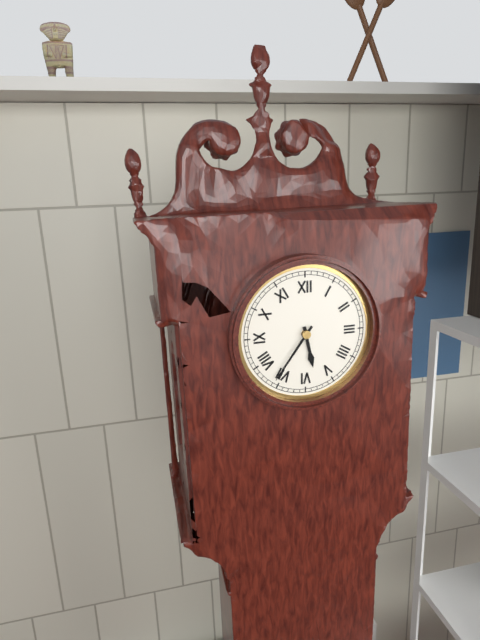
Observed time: 5h36
